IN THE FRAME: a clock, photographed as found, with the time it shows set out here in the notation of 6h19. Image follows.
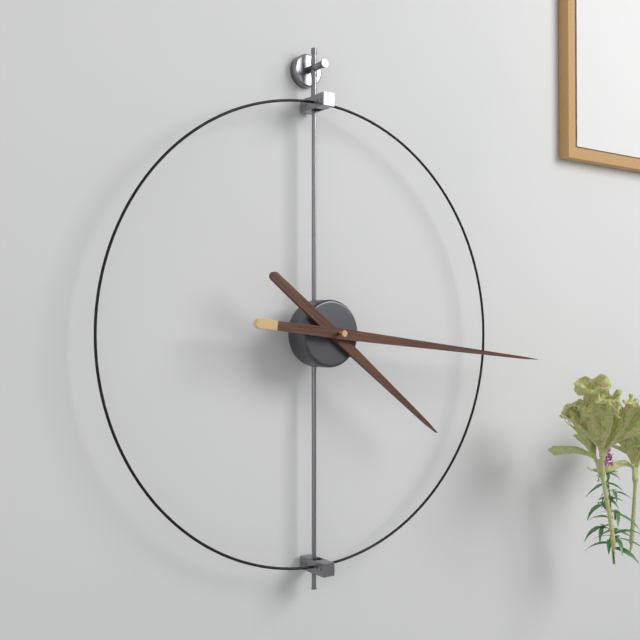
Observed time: 4h16
